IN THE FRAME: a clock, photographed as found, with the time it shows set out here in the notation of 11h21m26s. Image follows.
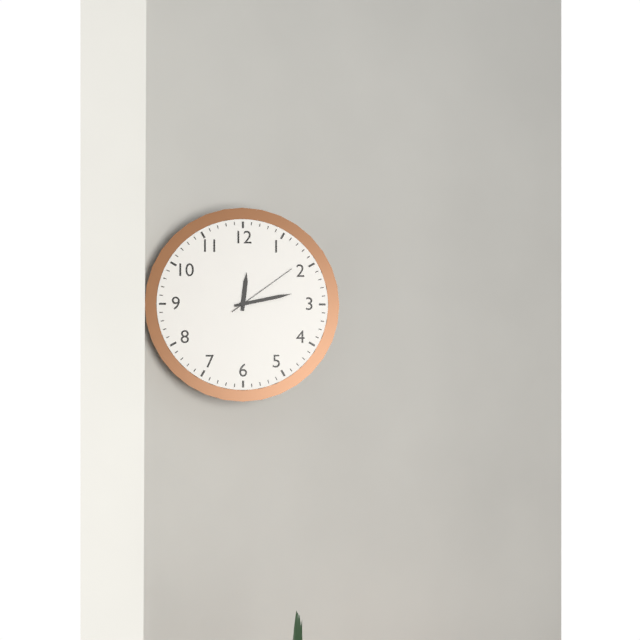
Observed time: 12h13m09s
